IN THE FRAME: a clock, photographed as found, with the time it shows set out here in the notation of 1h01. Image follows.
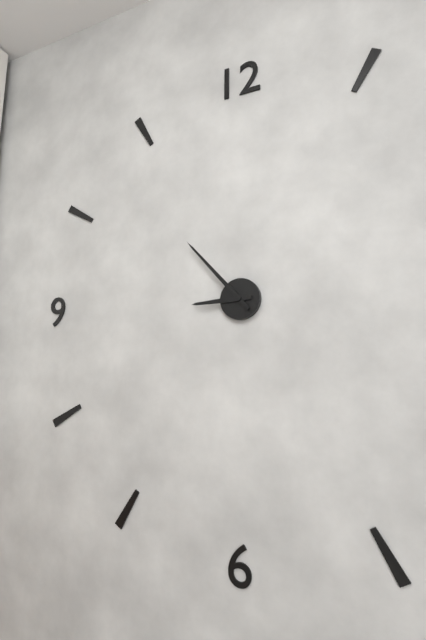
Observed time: 8h53
